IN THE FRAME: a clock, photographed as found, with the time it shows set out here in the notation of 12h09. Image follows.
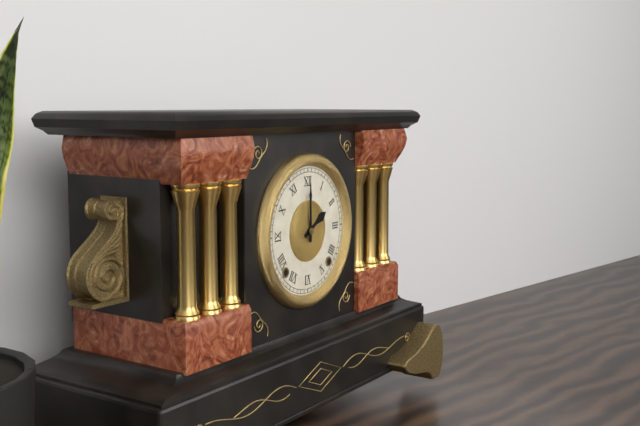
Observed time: 2h00
